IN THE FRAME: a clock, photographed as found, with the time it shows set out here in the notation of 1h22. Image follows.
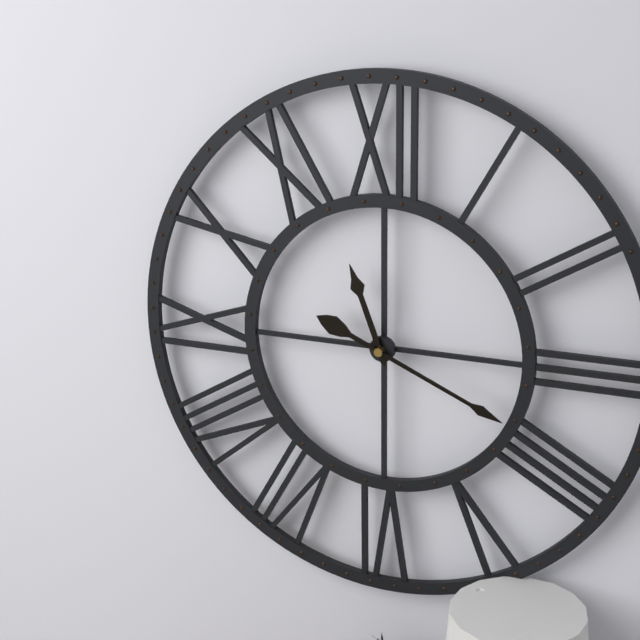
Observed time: 11h19
